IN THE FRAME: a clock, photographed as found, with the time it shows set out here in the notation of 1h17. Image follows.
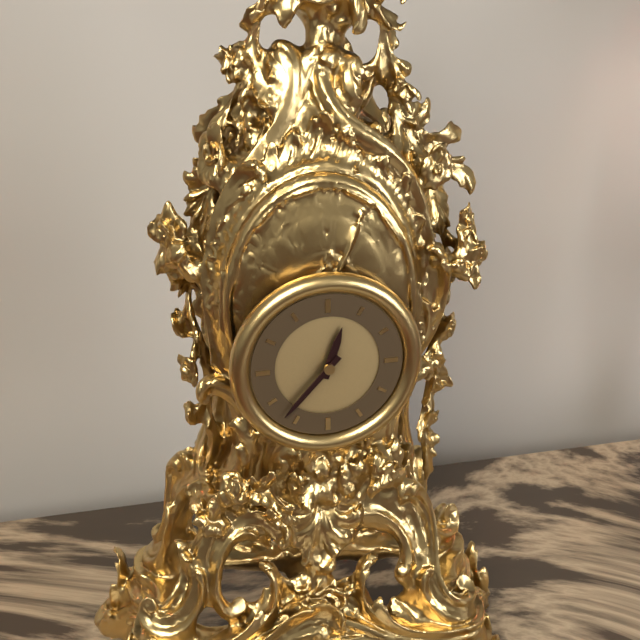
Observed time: 12h37
